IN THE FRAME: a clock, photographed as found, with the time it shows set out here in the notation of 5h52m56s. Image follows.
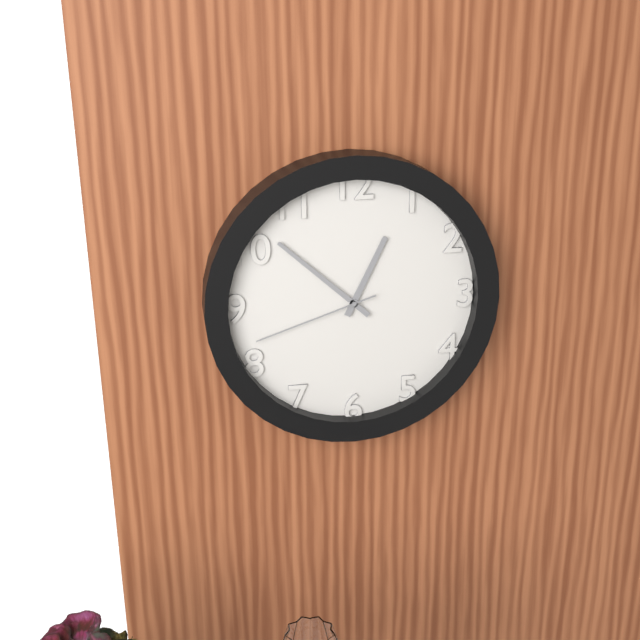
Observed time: 12h52m42s
